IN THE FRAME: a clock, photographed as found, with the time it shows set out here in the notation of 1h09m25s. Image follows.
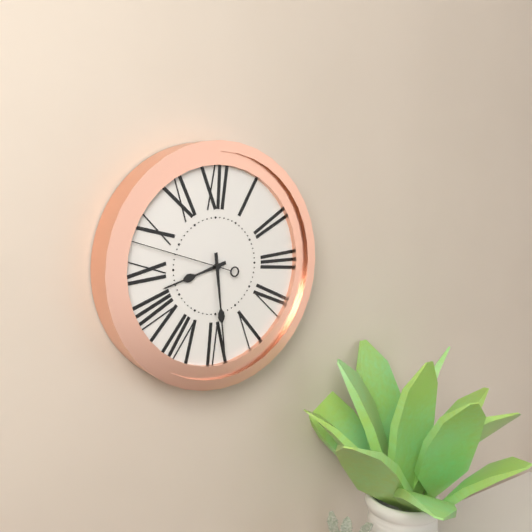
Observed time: 8h29m48s
